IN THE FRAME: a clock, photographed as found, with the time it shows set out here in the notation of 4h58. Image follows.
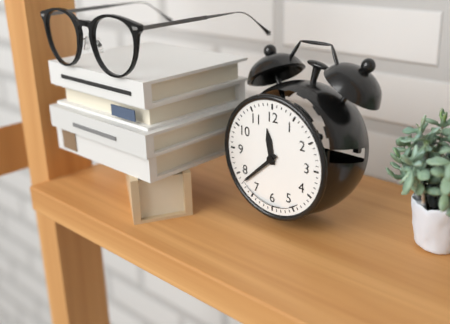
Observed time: 11h38
